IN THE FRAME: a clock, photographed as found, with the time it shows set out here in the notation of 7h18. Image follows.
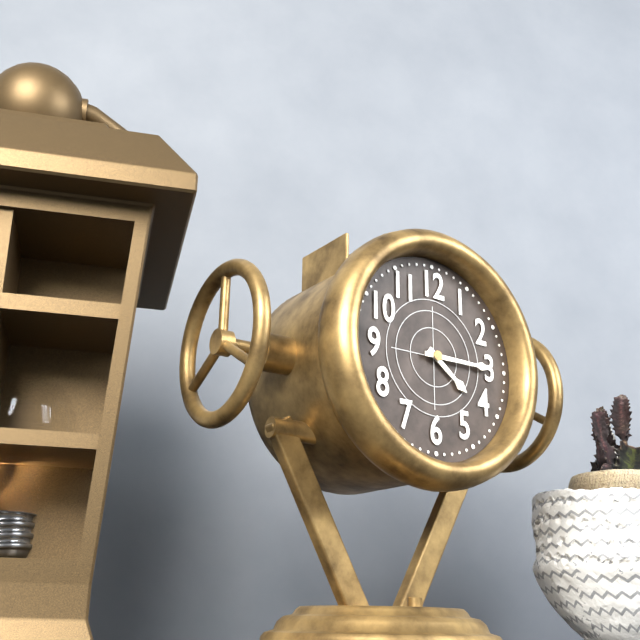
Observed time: 4h15
